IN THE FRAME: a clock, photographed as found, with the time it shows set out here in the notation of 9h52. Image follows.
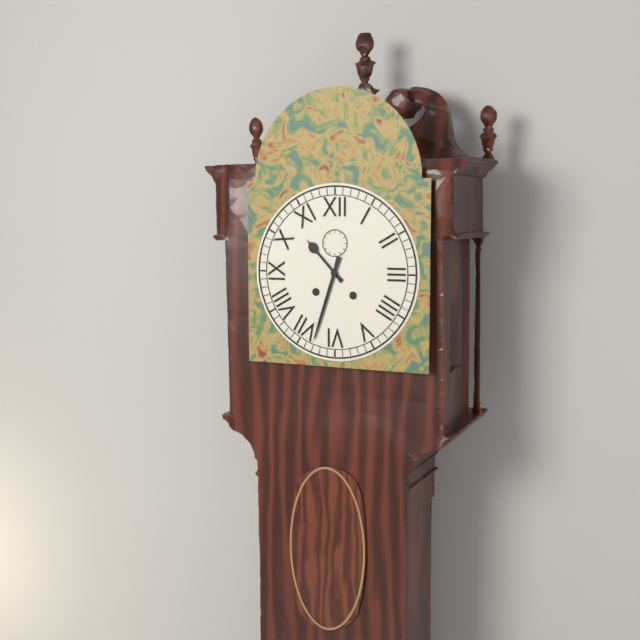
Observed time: 10h33
